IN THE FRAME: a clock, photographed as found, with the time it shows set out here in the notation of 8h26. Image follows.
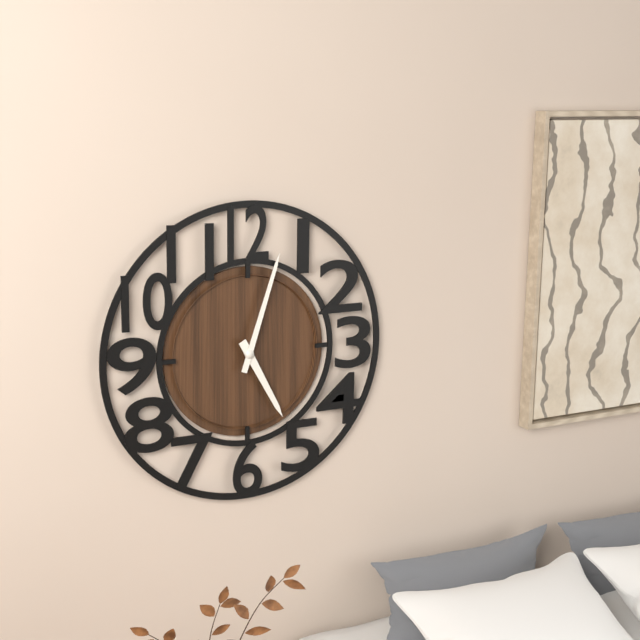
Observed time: 5h03
